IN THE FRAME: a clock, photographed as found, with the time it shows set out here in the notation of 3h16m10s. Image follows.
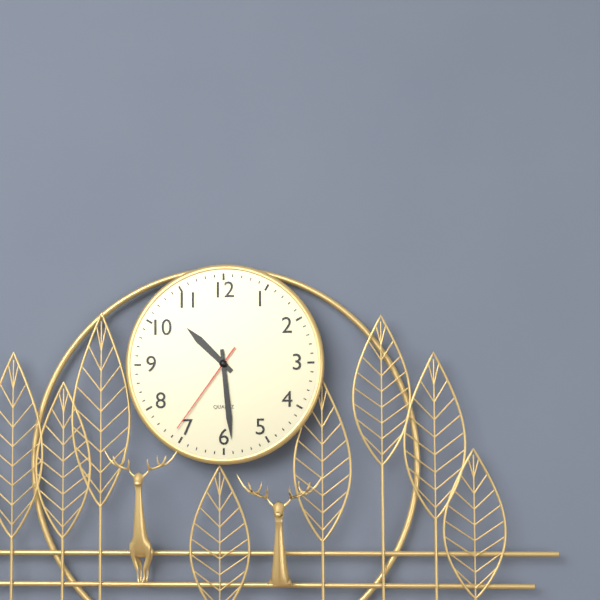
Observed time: 10h29m36s
